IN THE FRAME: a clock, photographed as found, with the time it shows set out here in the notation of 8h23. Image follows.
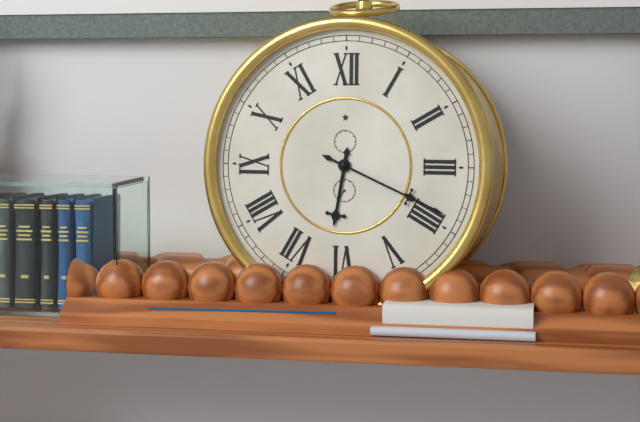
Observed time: 6h19
